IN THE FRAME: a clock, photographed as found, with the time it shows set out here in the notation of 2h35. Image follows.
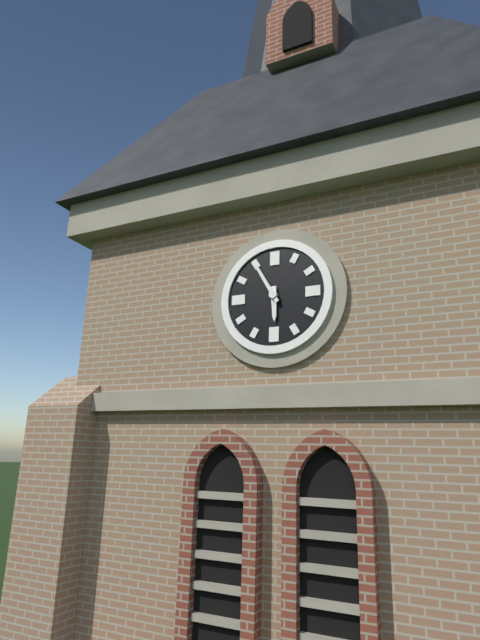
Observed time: 5h55
